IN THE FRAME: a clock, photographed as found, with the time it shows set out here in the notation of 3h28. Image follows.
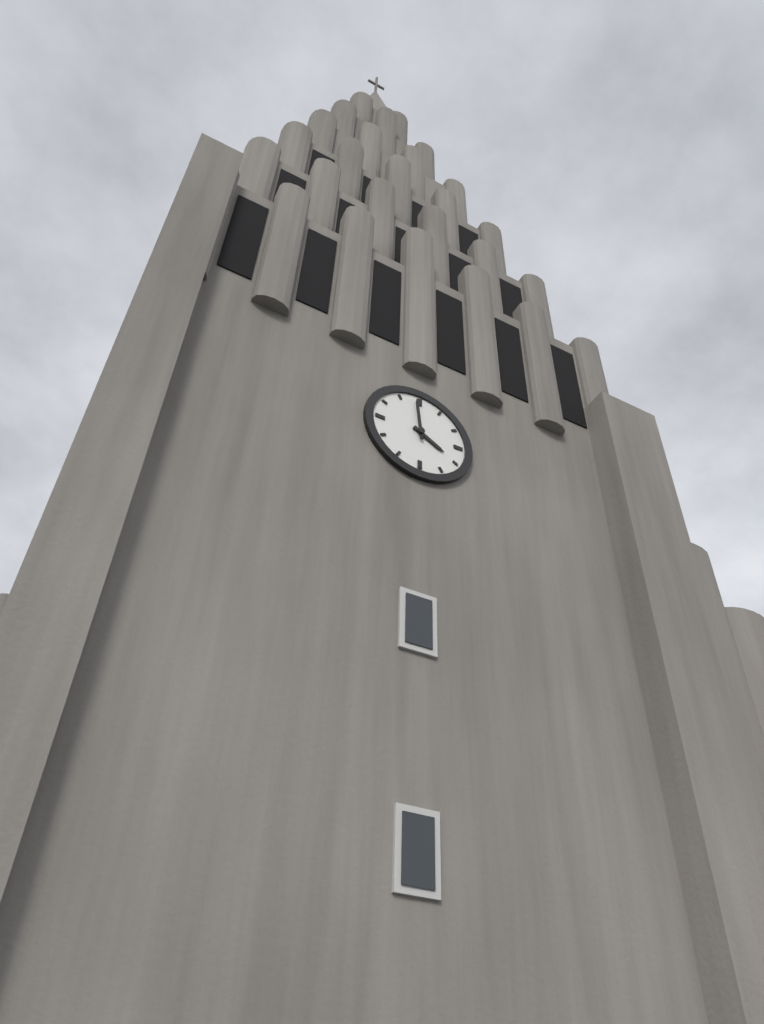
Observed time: 3h59
